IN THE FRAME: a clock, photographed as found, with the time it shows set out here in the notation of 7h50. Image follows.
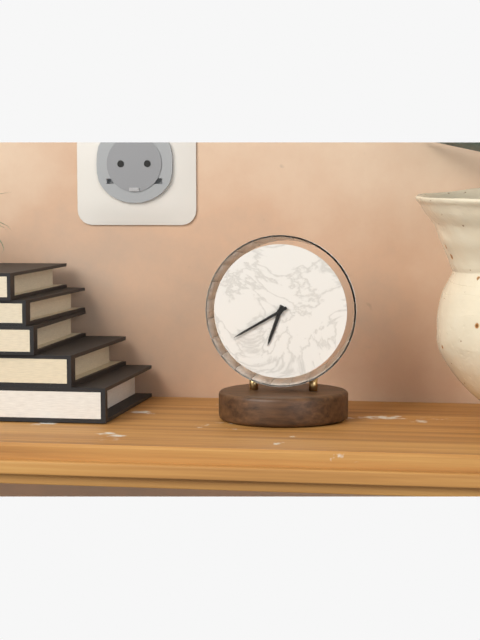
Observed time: 6h40
